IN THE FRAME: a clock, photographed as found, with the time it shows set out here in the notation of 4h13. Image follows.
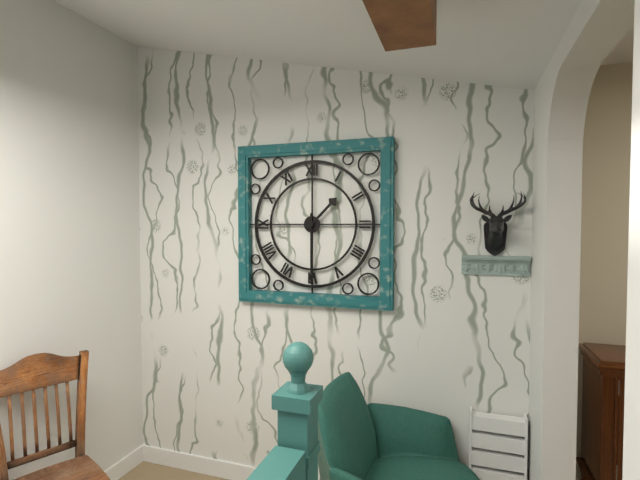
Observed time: 1h30
